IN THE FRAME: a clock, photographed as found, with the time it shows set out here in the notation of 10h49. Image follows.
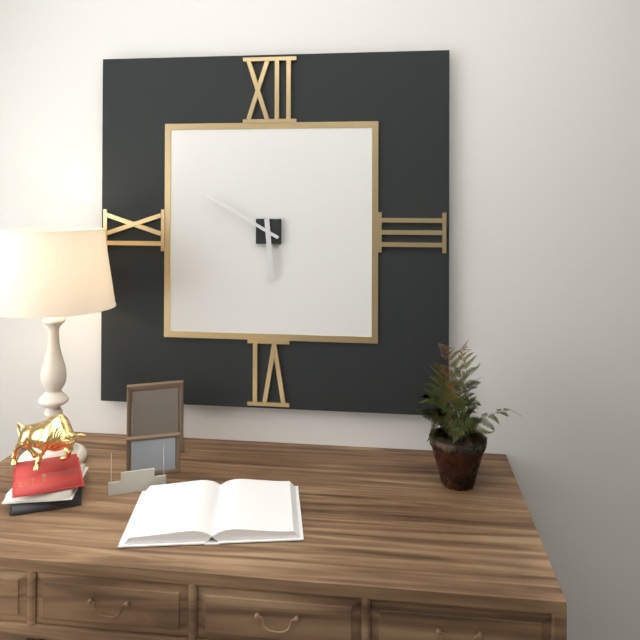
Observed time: 5h50
